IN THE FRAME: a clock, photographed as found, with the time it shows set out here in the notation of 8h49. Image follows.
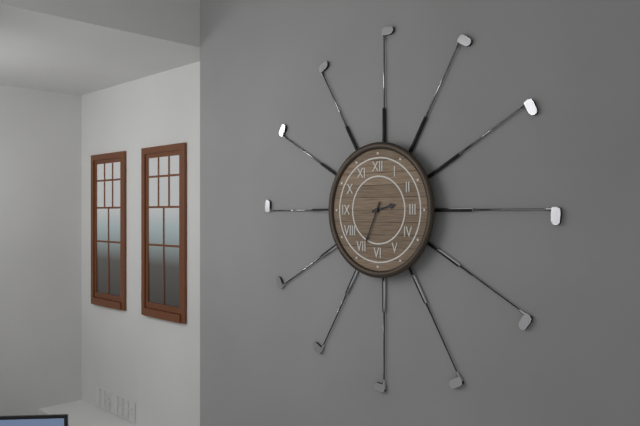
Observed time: 2h34
